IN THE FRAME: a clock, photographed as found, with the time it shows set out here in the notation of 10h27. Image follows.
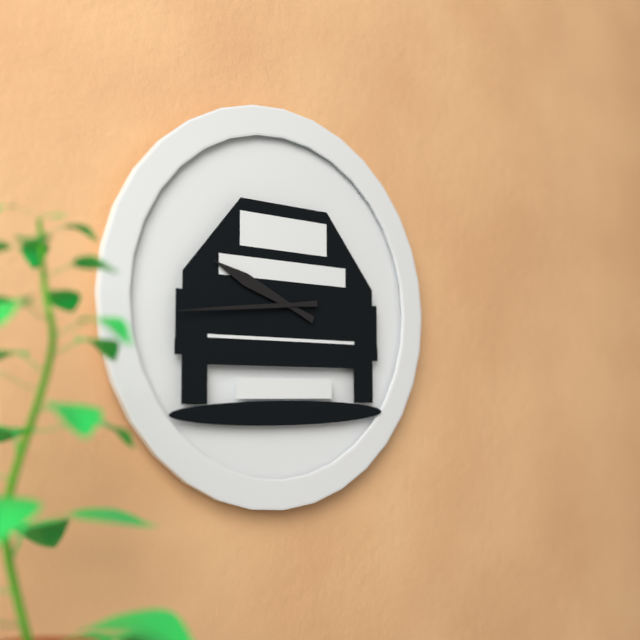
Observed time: 9h44
